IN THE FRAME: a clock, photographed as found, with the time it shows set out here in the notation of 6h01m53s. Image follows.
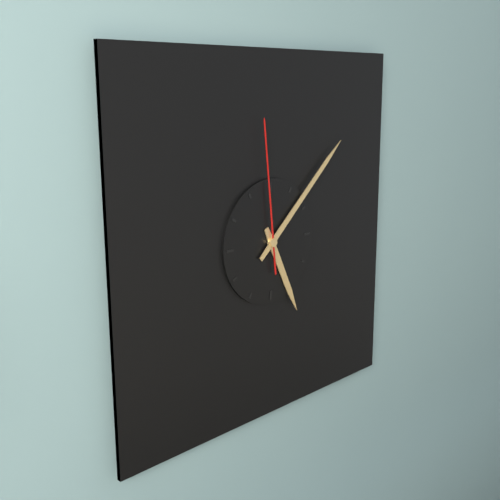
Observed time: 5h08m59s
